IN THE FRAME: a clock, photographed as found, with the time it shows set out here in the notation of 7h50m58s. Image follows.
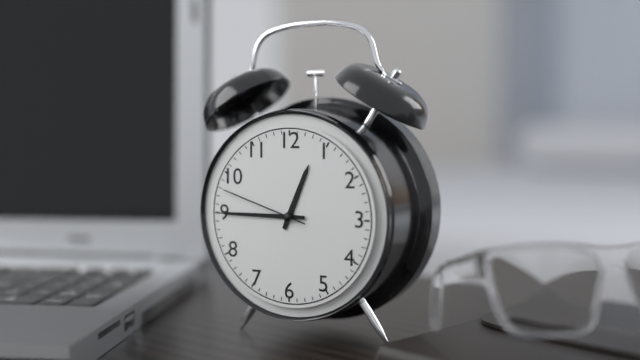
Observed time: 12h45m48s
